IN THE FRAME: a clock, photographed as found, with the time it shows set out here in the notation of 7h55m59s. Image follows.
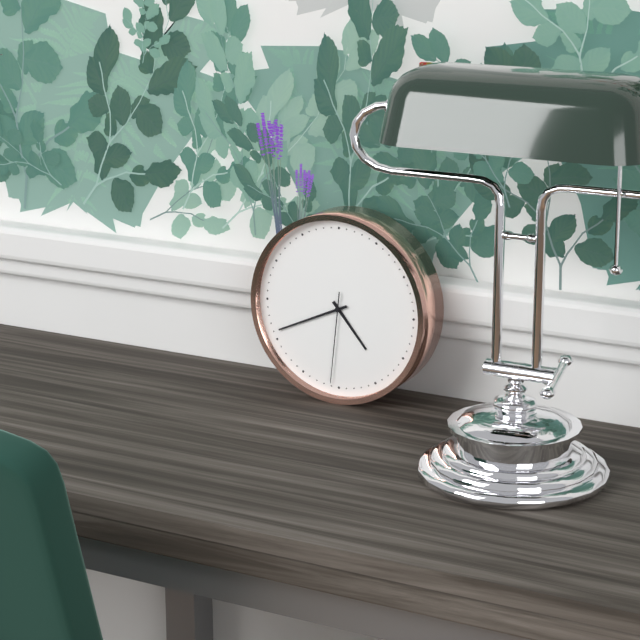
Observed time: 4h41m31s
